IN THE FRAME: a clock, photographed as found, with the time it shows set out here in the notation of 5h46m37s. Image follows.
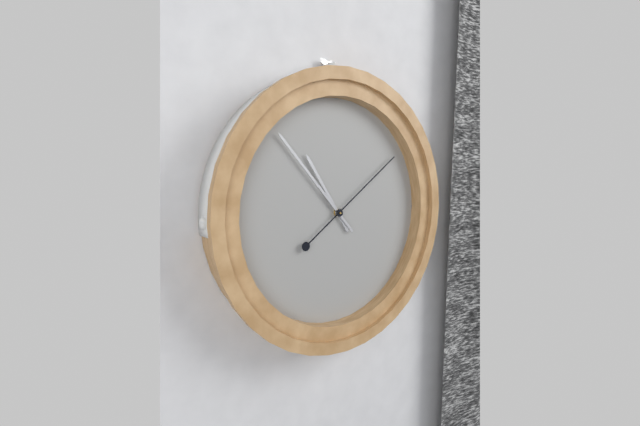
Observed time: 10h53m09s
